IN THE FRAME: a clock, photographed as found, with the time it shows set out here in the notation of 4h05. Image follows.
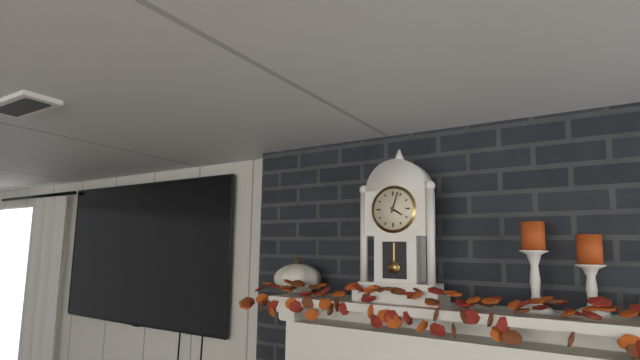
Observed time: 4h03
